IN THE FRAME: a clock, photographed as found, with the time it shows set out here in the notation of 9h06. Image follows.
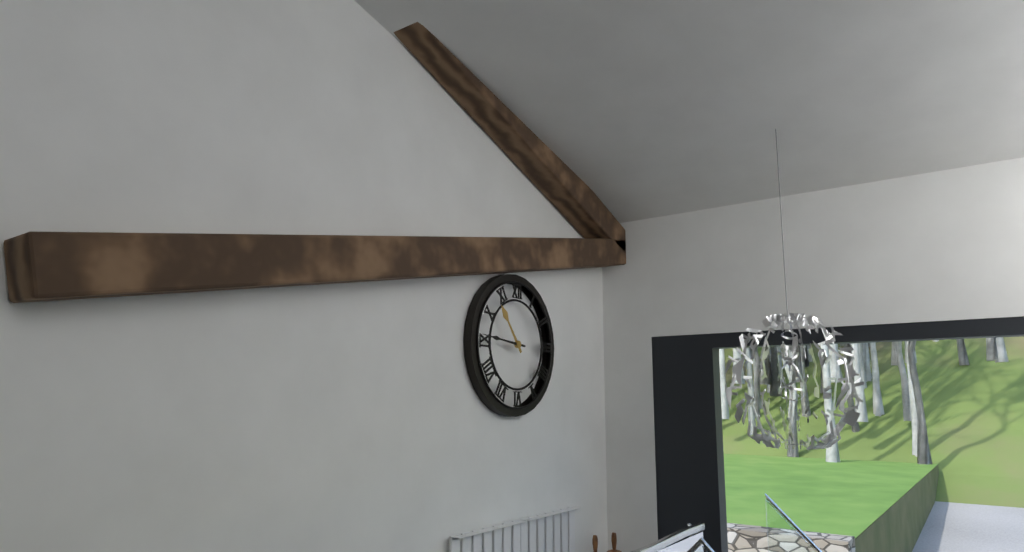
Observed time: 10h46
